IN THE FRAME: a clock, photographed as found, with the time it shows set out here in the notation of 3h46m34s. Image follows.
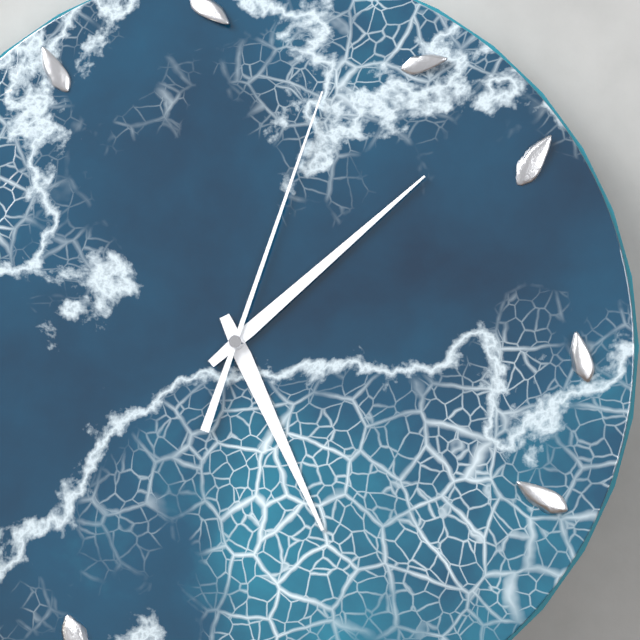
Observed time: 5h08m03s
